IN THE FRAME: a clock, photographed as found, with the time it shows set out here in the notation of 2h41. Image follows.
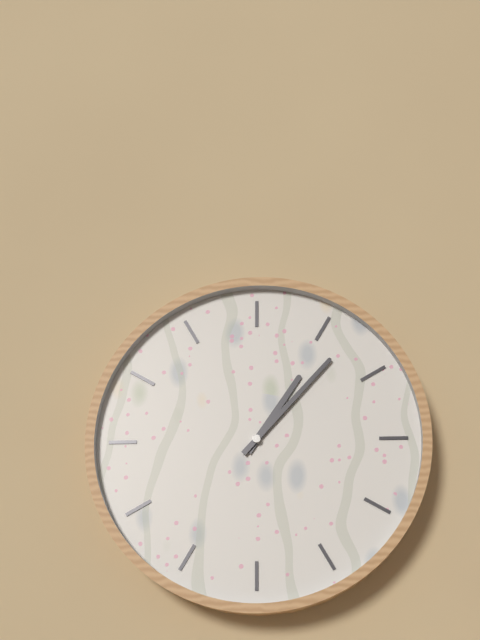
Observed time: 1h07
